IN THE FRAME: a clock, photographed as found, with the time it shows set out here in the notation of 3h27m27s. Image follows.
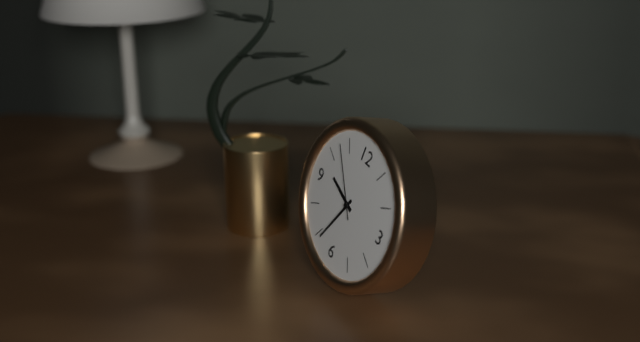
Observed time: 9h34m53s
